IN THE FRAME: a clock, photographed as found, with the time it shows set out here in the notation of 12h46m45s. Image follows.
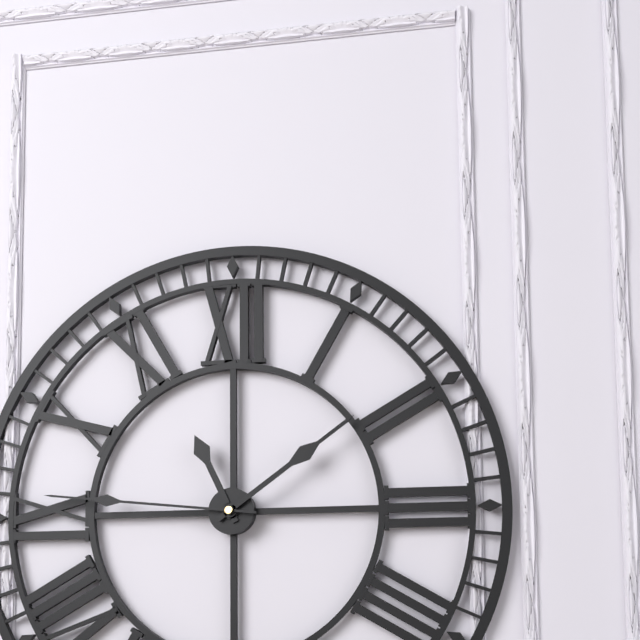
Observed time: 11h09m46s
